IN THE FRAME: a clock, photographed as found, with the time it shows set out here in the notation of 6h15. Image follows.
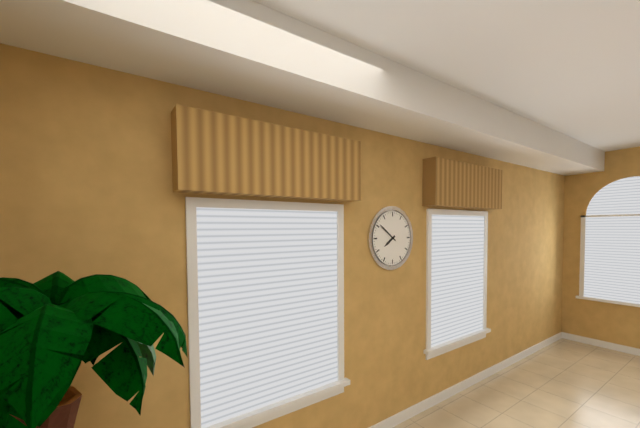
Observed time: 7h51
